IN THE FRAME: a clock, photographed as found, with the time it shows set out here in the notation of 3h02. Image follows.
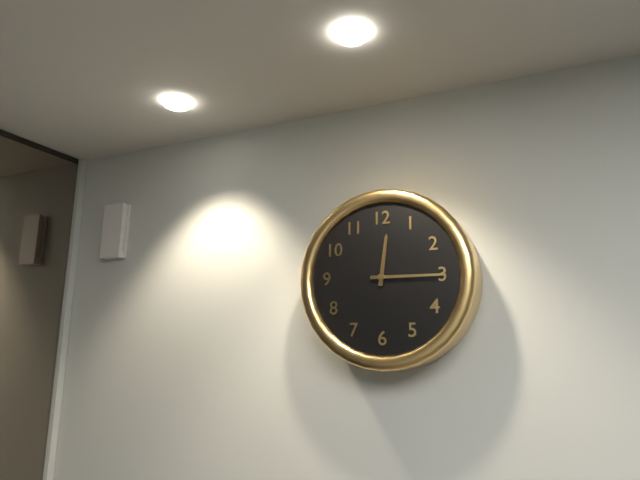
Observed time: 12h15
